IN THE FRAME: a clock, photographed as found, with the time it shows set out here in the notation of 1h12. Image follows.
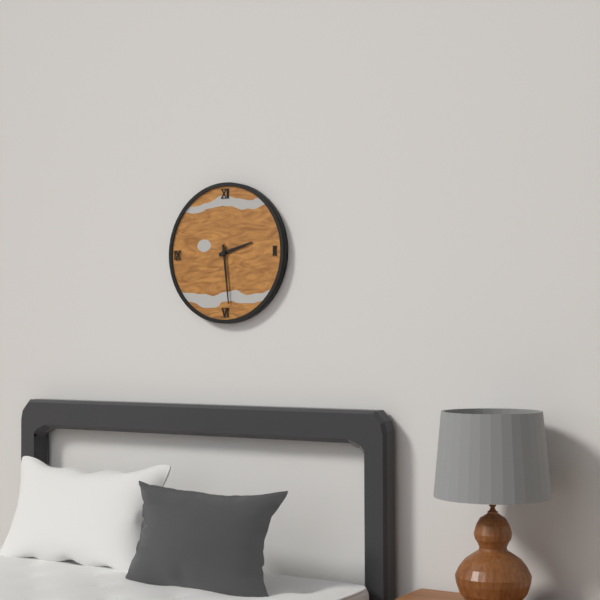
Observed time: 2h29
